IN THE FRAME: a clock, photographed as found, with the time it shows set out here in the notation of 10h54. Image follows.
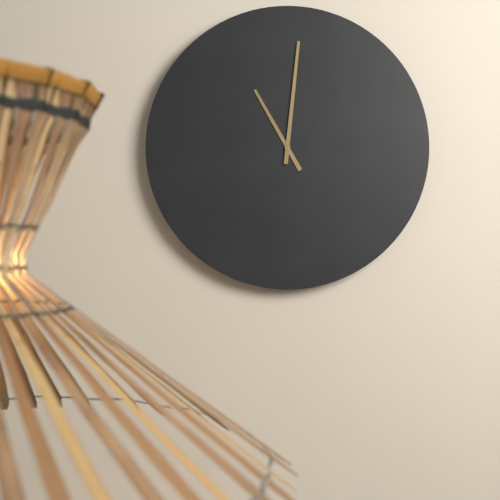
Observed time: 11h01
